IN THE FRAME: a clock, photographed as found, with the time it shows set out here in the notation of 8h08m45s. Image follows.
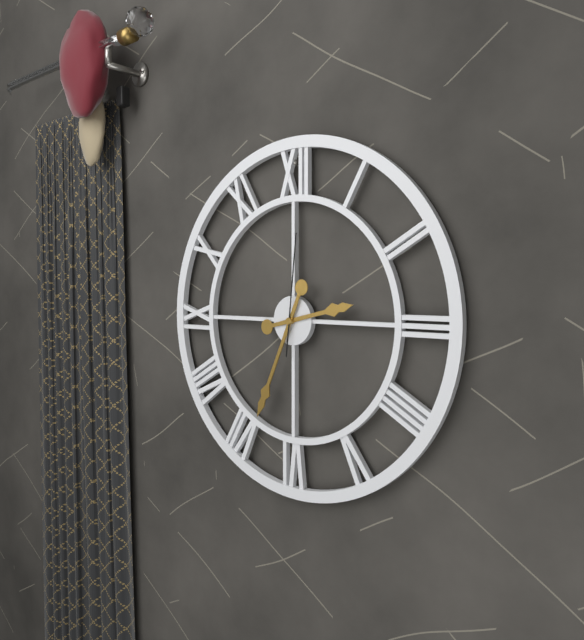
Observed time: 2h34m01s
